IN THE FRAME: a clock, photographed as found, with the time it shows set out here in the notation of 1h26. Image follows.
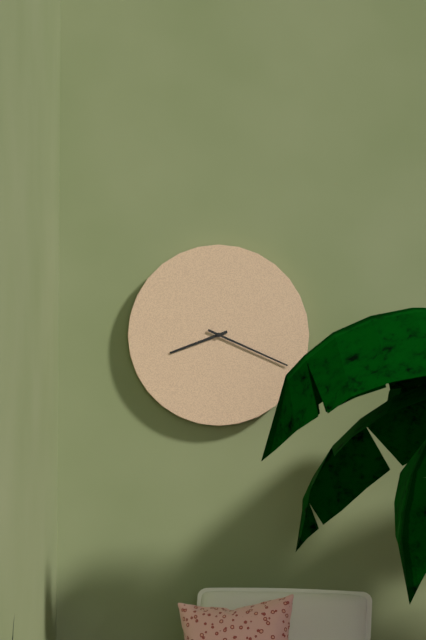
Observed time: 8h19
